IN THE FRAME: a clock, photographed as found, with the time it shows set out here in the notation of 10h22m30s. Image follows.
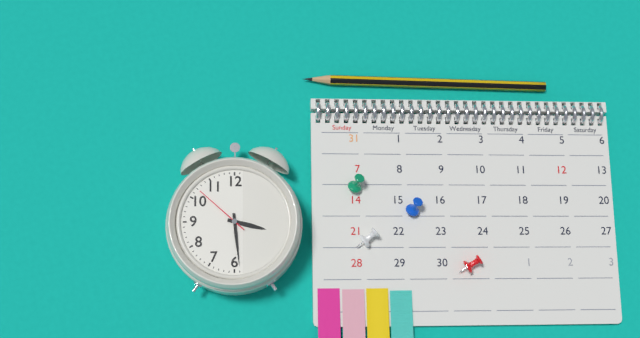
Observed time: 3h29m52s
